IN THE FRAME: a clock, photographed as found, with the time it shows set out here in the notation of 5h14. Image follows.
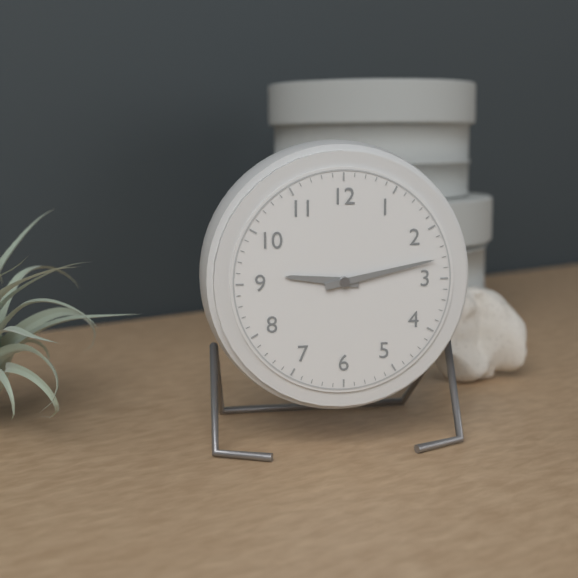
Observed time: 9h13
